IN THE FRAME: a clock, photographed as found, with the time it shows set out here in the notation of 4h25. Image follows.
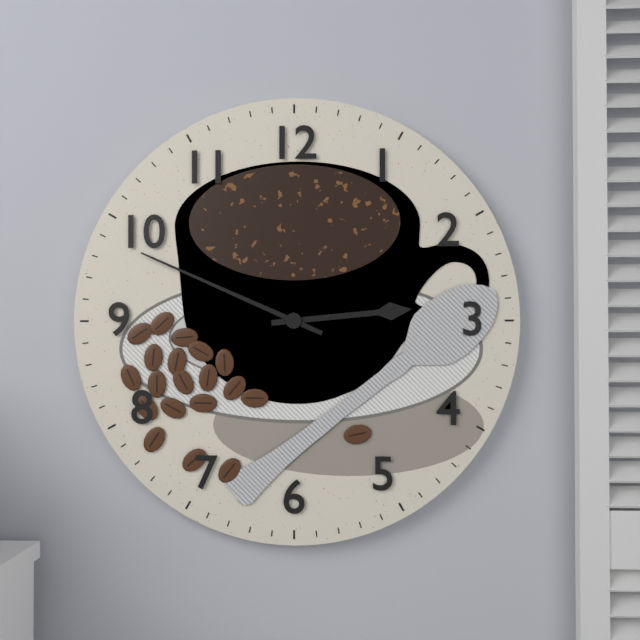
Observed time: 2h49
